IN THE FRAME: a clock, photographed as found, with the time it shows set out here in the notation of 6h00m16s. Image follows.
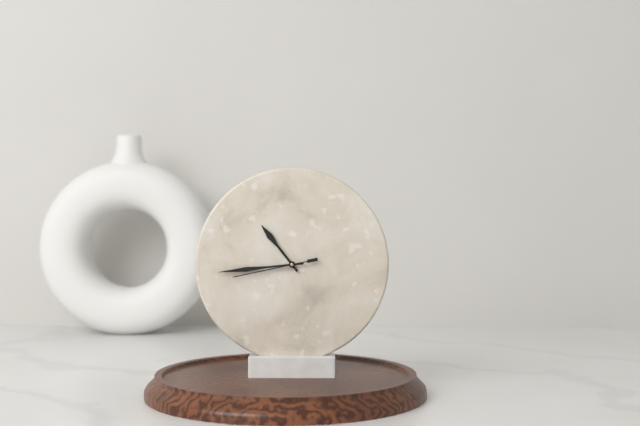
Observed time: 10h44m43s
